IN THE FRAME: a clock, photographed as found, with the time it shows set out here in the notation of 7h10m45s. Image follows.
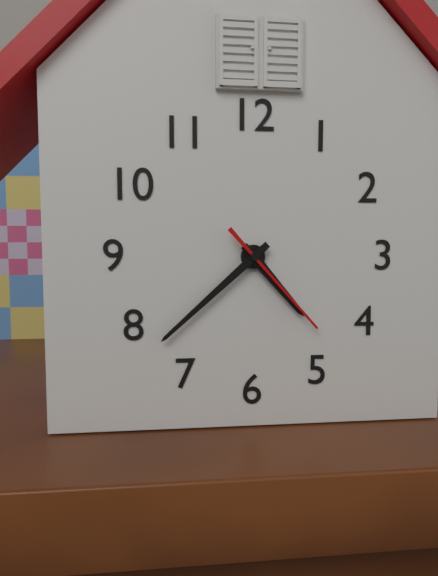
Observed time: 4h38m23s
